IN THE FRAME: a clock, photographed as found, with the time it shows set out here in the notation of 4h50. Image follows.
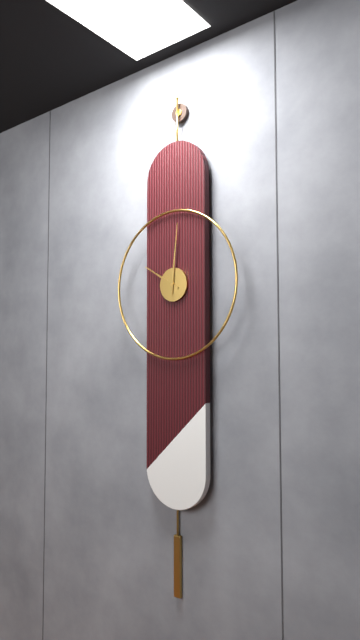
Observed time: 10h01
